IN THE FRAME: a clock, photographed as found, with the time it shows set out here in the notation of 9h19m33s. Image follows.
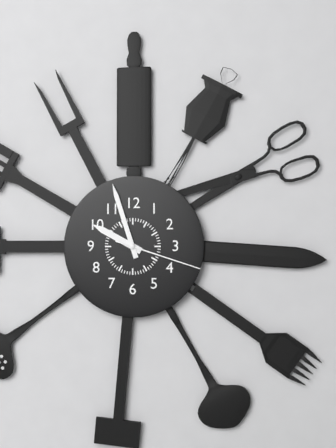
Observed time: 9h57m18s
